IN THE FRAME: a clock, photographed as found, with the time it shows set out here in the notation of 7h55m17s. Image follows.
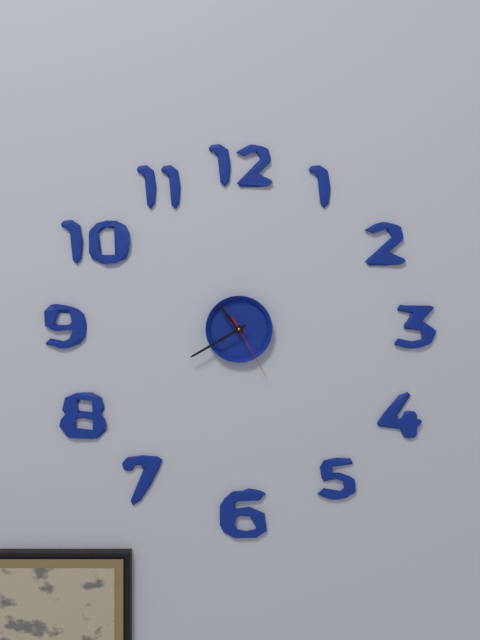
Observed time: 10h40m25s
